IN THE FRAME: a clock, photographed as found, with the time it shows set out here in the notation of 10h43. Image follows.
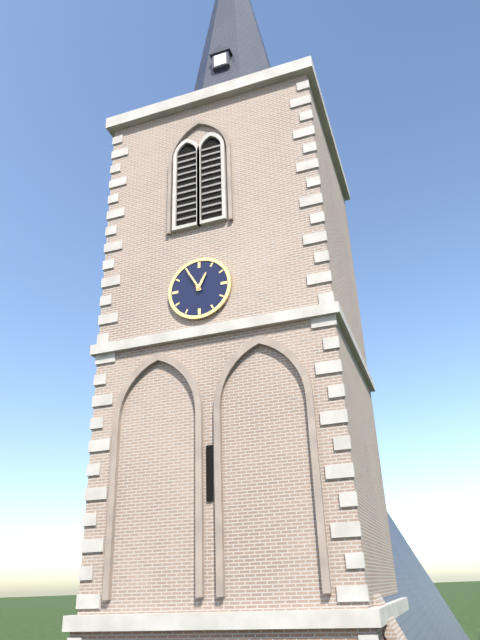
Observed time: 12h55
